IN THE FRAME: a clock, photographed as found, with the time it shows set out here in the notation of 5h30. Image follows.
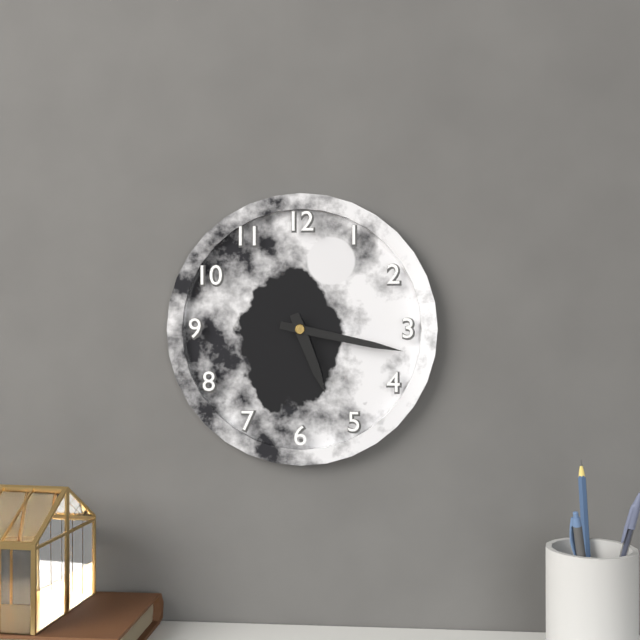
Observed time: 5h17
